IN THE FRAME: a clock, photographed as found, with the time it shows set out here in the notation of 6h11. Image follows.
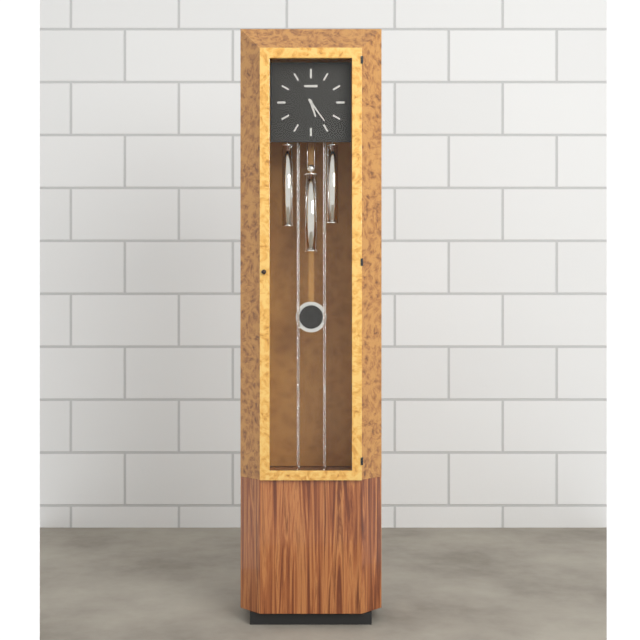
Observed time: 5h24
